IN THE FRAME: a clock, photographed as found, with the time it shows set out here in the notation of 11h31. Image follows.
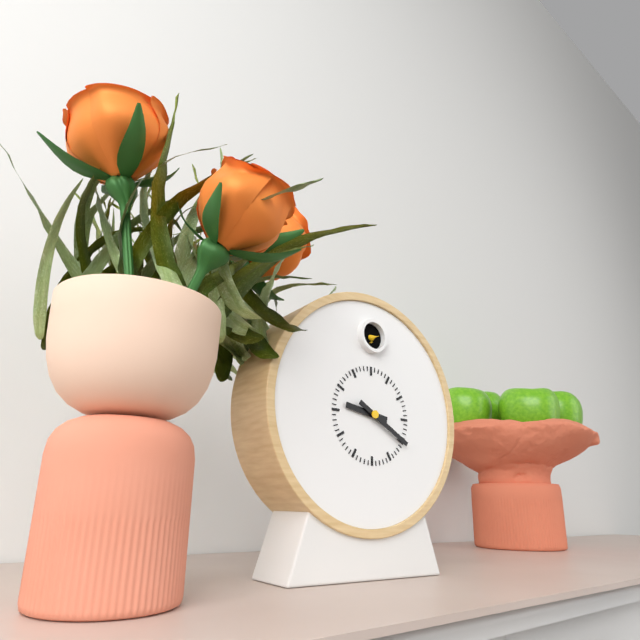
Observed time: 9h20
